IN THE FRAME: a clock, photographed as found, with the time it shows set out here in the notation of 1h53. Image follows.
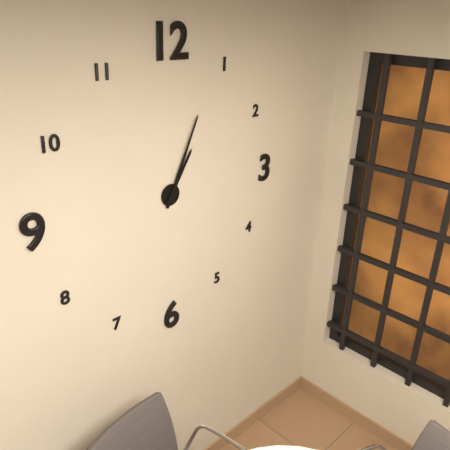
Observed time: 1h04
